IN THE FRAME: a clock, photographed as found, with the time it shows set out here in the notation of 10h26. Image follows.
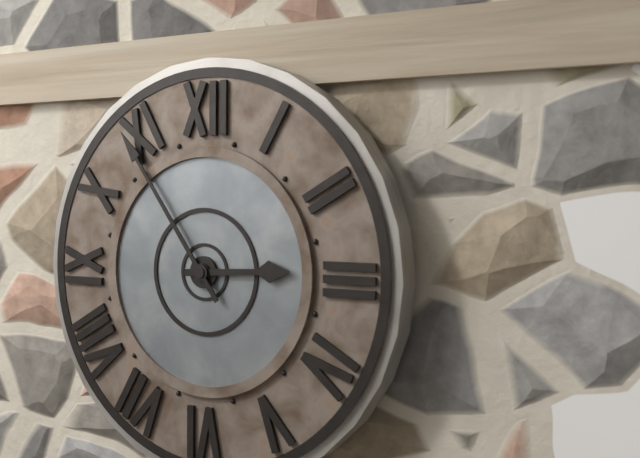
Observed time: 2h54
